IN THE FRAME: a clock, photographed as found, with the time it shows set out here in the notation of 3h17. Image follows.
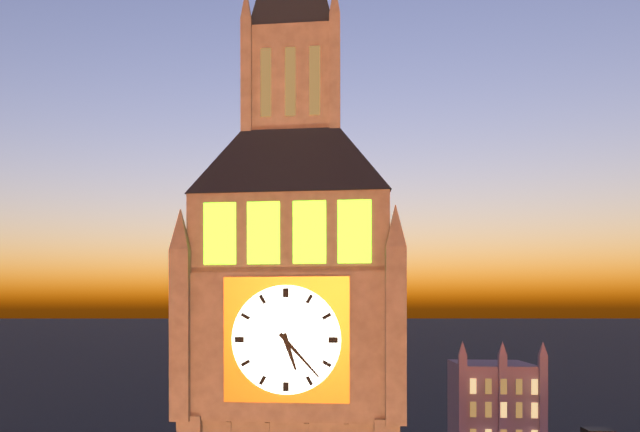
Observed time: 5h23
